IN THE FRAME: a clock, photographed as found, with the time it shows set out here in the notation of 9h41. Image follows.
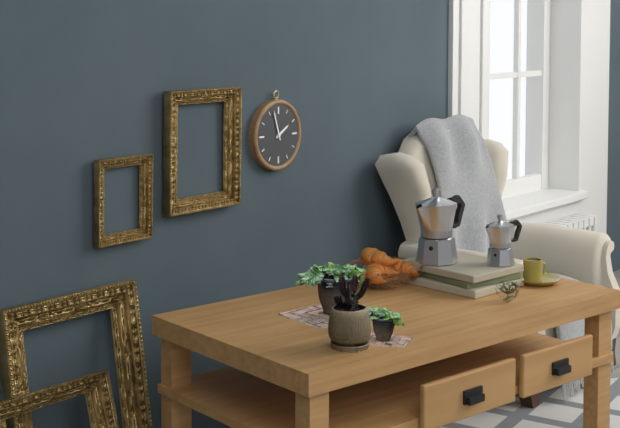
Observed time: 1h57
